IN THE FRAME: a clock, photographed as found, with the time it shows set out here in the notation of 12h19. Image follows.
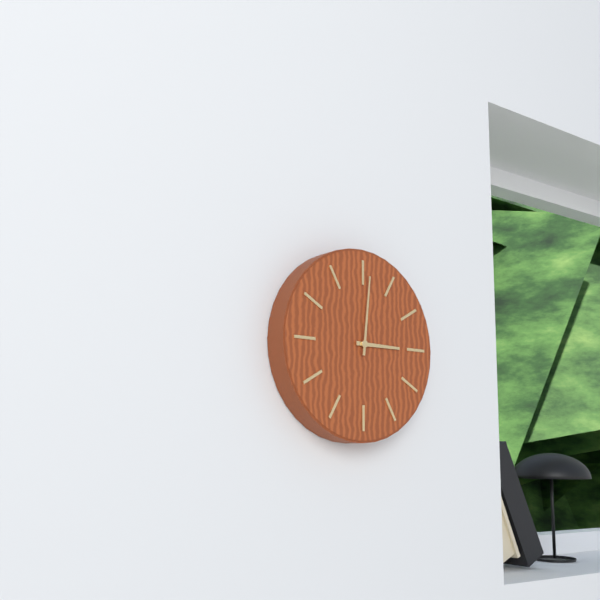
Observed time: 3h01
